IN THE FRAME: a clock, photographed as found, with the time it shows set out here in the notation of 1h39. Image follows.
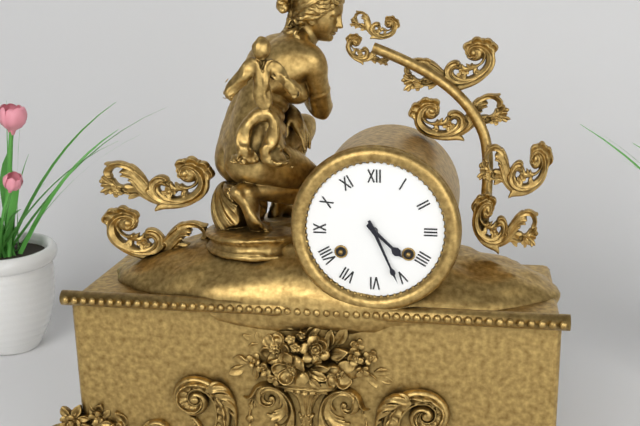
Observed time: 4h26
